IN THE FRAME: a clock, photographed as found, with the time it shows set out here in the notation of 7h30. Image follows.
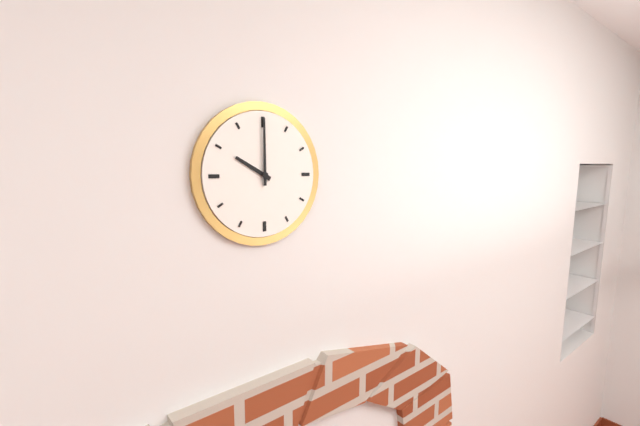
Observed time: 10h00
